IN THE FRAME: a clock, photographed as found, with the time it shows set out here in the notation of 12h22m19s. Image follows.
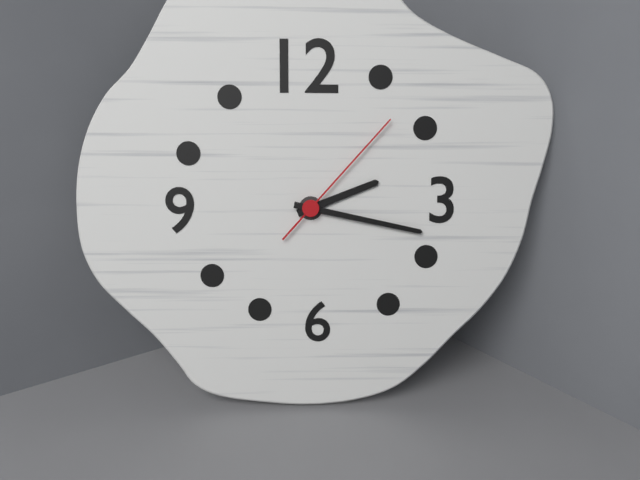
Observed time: 2h17m07s
